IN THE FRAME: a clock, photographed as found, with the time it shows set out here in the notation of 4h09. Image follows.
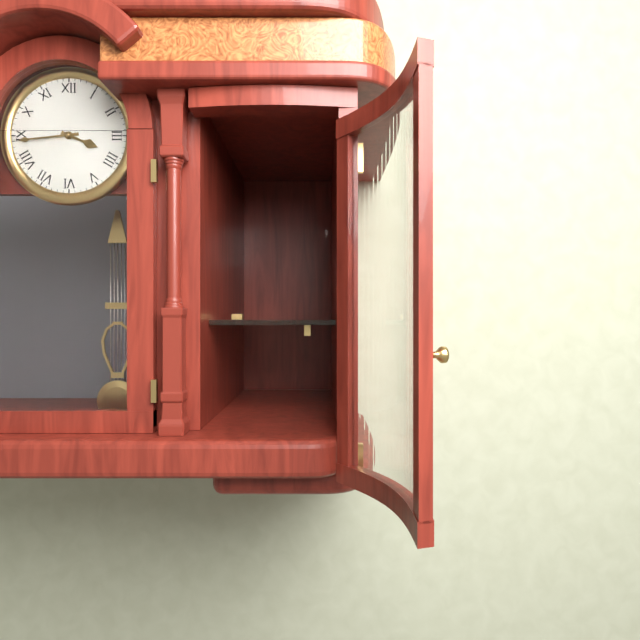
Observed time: 3h44
